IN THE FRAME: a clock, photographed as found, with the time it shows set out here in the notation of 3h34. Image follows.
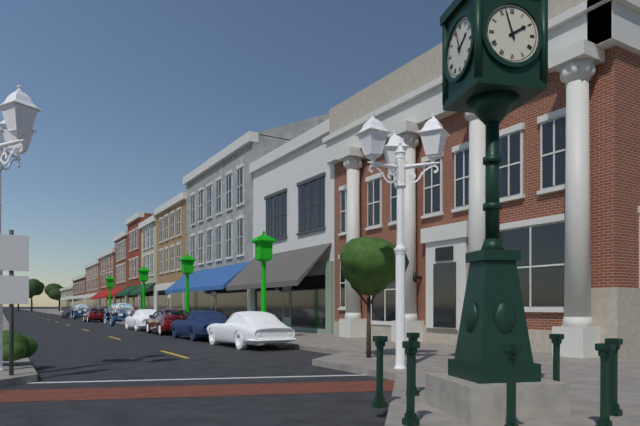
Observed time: 1h57
